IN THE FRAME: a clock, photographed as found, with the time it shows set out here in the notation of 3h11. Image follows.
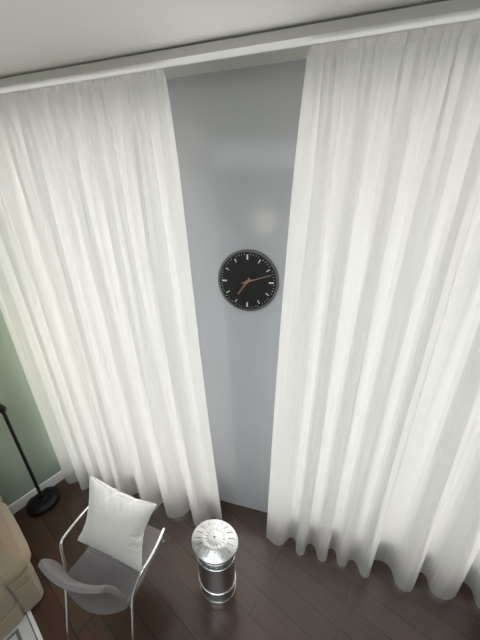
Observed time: 7h12
